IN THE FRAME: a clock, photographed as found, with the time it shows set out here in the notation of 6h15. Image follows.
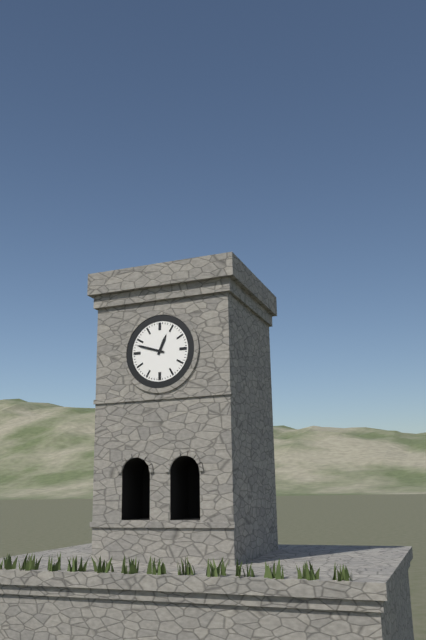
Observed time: 12h48
